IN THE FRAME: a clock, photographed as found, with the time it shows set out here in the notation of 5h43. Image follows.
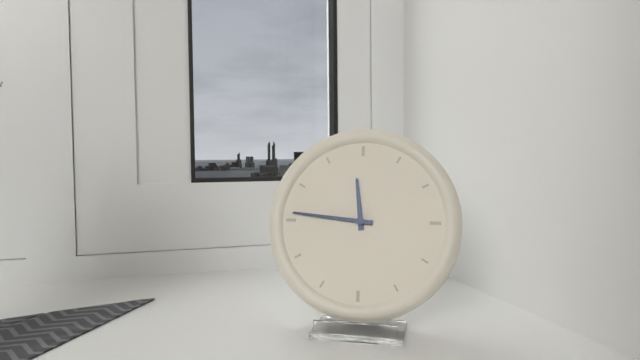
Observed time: 11h46
